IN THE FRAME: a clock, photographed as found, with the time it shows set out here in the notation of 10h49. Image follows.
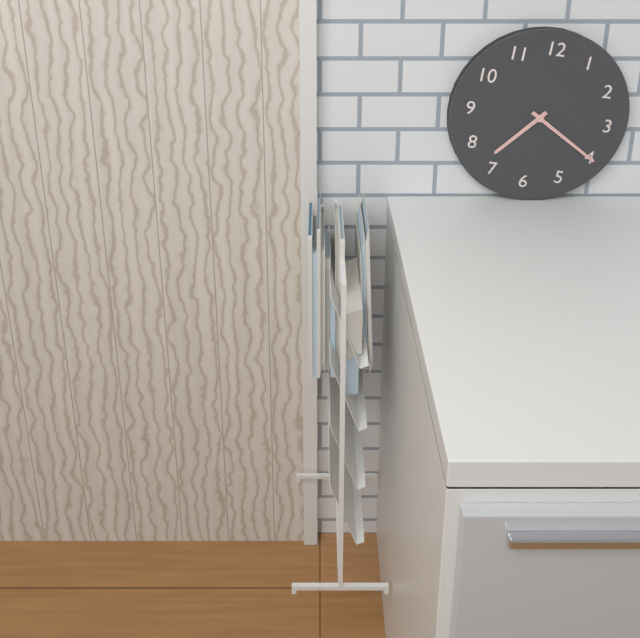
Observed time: 7h20
